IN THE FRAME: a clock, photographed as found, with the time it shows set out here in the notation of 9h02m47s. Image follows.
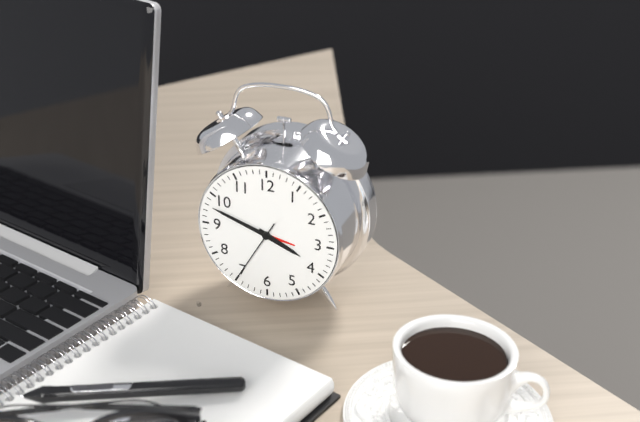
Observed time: 3h48m35s
